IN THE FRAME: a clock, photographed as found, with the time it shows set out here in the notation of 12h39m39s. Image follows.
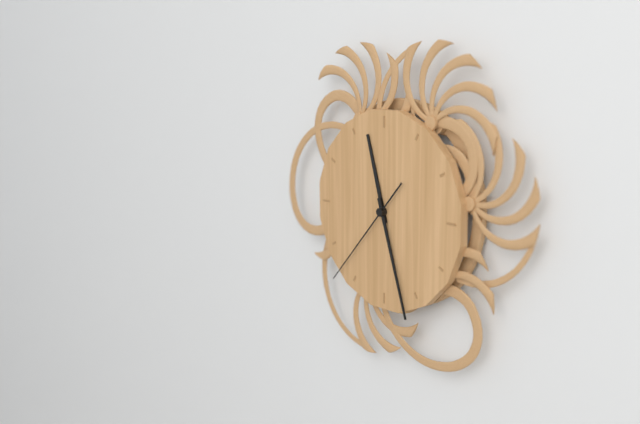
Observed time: 11h27m37s
